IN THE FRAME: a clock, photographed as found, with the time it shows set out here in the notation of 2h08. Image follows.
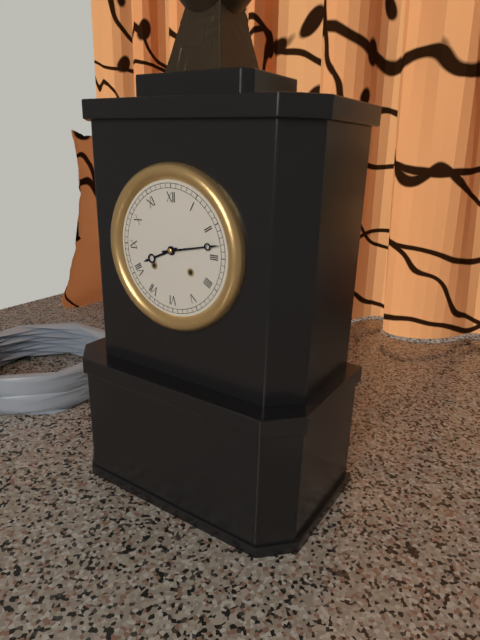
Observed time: 8h13
